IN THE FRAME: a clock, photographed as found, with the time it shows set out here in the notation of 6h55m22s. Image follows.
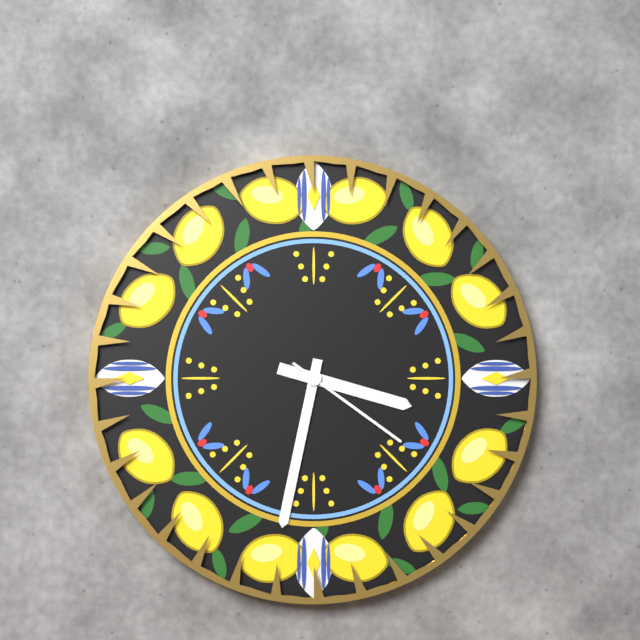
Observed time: 3h32m21s
